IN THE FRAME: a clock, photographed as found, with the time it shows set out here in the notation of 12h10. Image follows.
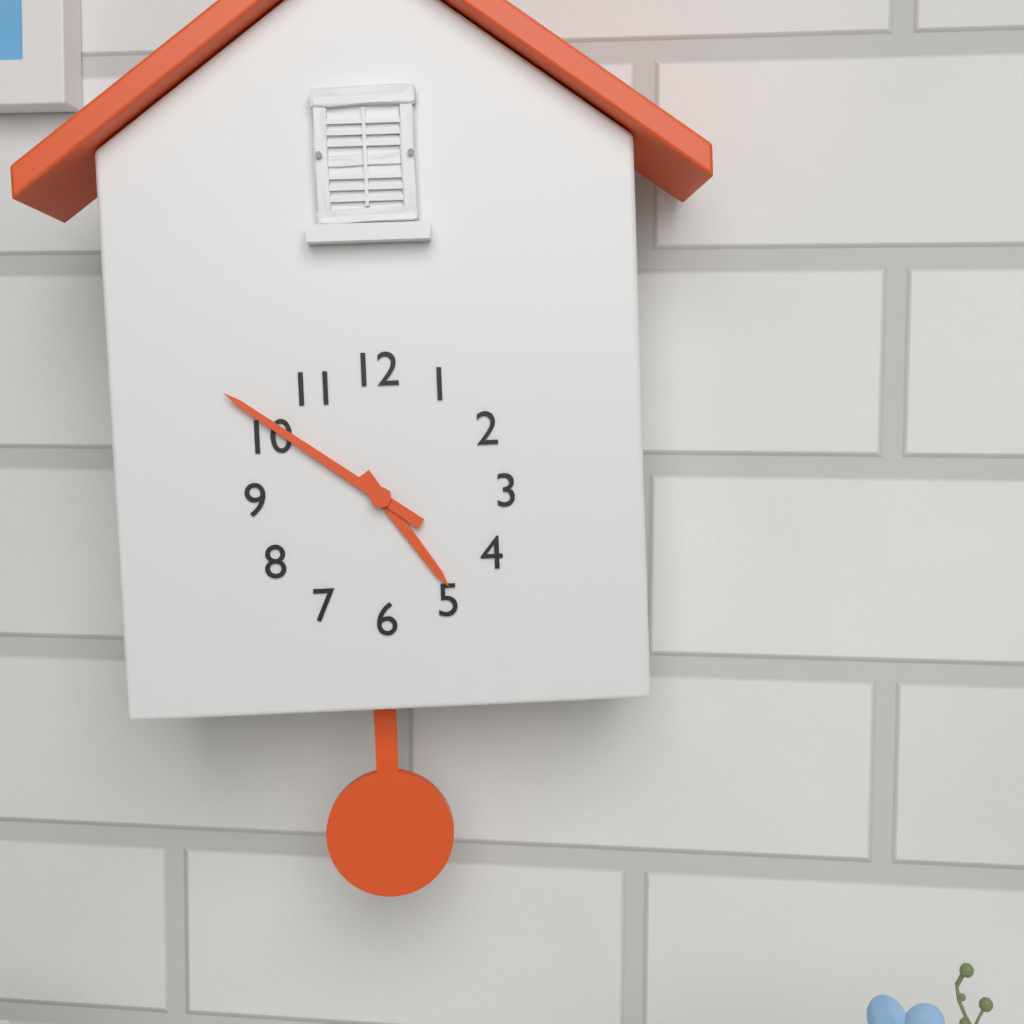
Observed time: 4h51
